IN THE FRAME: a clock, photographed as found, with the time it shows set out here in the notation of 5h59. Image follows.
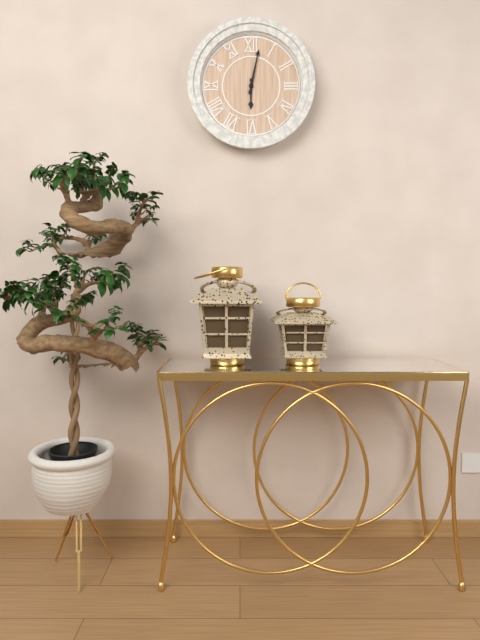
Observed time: 6h02
